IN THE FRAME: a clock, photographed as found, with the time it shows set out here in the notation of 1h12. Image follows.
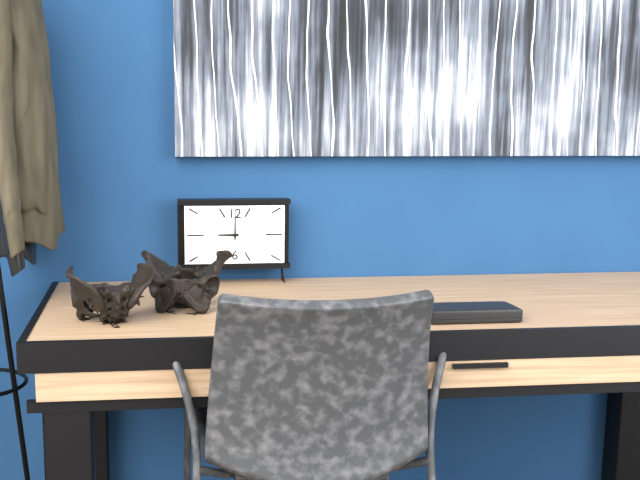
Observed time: 9h00
